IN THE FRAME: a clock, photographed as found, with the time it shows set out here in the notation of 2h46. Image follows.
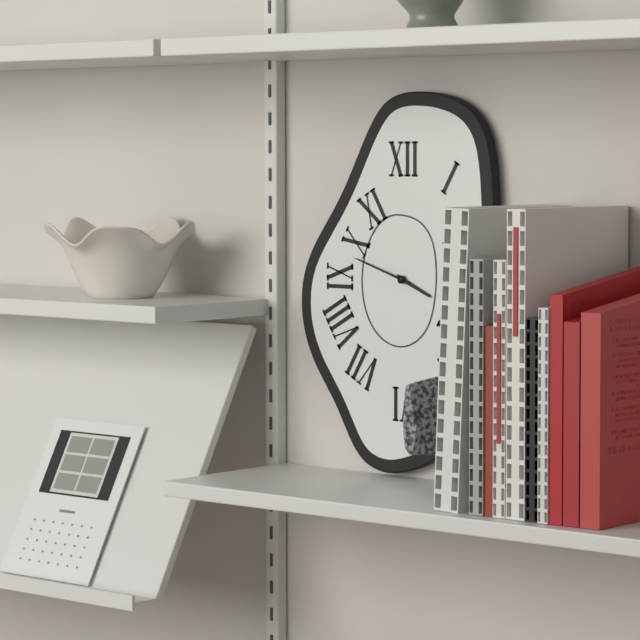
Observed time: 3h48
